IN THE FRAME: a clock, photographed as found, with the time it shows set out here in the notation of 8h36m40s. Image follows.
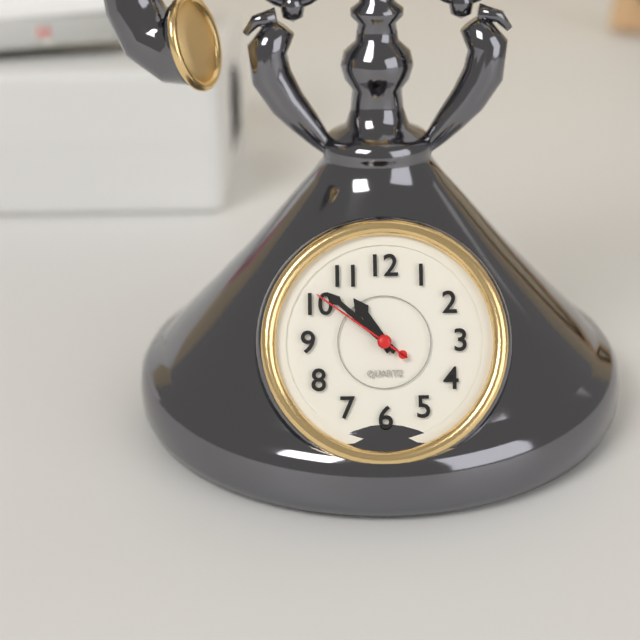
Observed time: 10h52m51s
